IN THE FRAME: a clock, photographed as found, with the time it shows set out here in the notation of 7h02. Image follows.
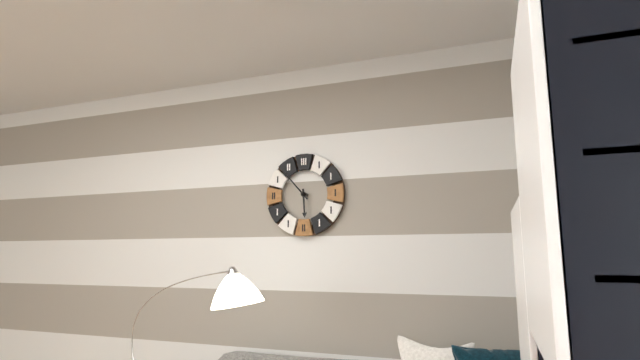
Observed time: 5h53
